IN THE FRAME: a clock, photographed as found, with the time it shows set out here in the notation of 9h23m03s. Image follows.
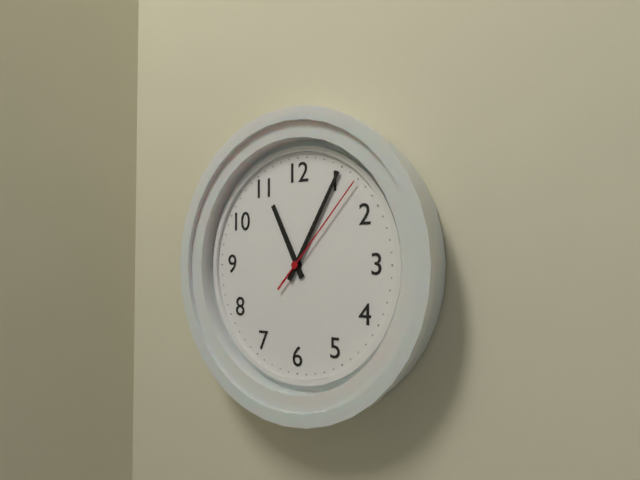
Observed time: 11h05m07s
